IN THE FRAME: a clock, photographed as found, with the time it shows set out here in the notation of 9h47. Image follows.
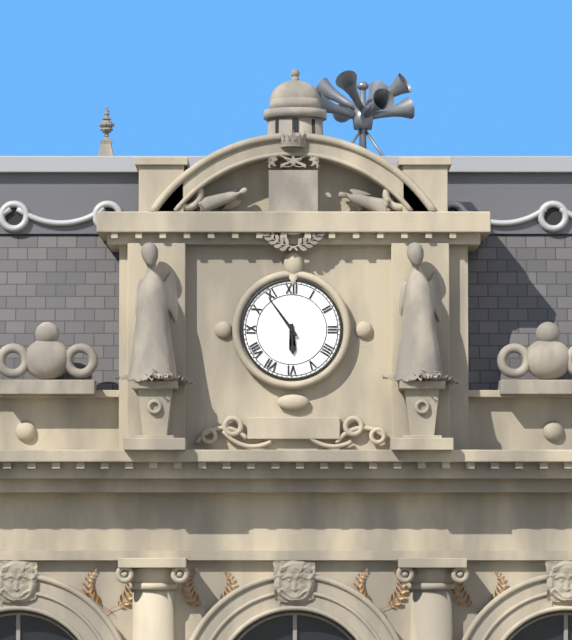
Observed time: 5h54
